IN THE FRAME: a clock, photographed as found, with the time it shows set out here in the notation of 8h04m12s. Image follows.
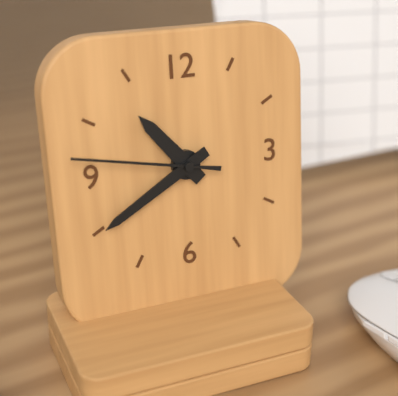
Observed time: 10h40m47s
